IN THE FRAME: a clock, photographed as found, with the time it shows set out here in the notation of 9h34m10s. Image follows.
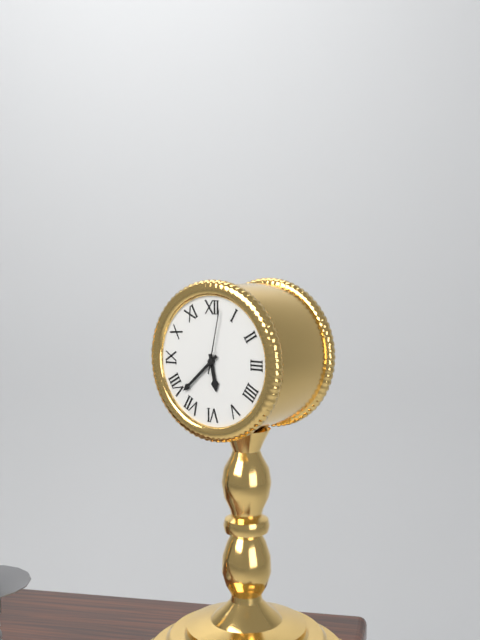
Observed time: 5h38m02s
